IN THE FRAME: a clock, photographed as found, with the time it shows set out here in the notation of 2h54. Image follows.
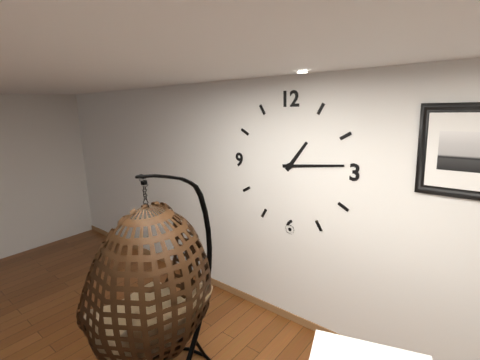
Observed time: 1h14
